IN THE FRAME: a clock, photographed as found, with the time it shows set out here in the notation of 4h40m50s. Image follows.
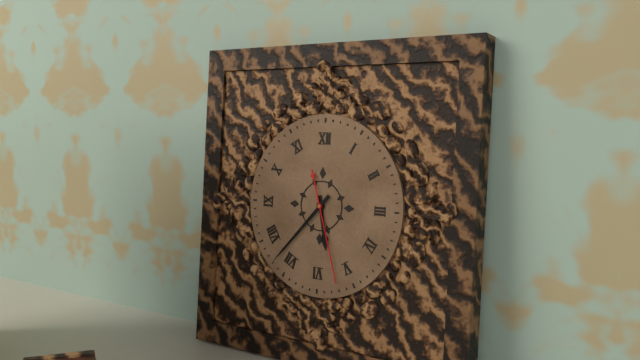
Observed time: 5h37m27s
